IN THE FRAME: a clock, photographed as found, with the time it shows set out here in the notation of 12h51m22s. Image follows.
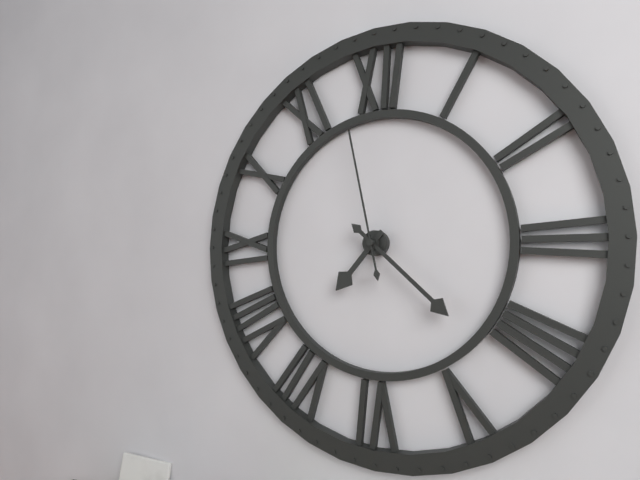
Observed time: 7h22m58s
